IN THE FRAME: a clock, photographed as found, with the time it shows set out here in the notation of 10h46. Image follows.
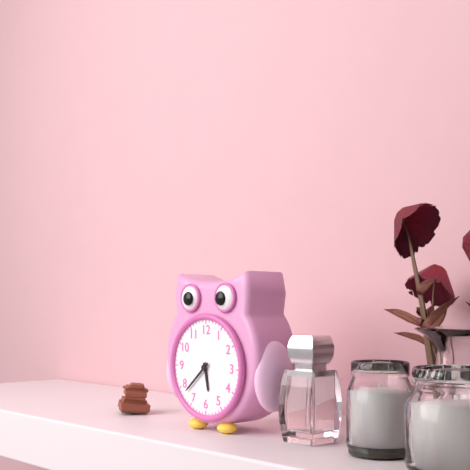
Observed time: 5h38
